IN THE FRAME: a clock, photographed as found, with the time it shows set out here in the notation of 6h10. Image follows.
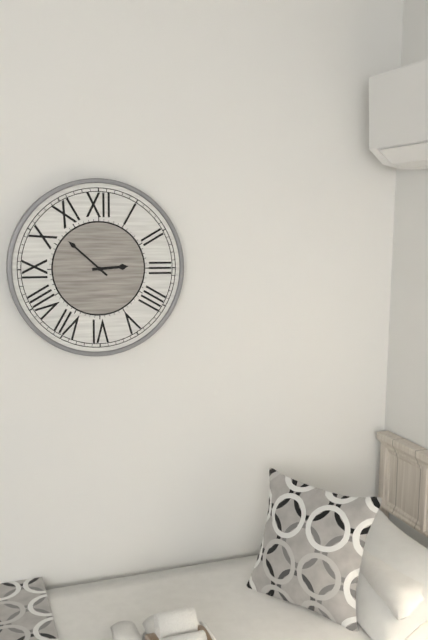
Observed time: 2h52
